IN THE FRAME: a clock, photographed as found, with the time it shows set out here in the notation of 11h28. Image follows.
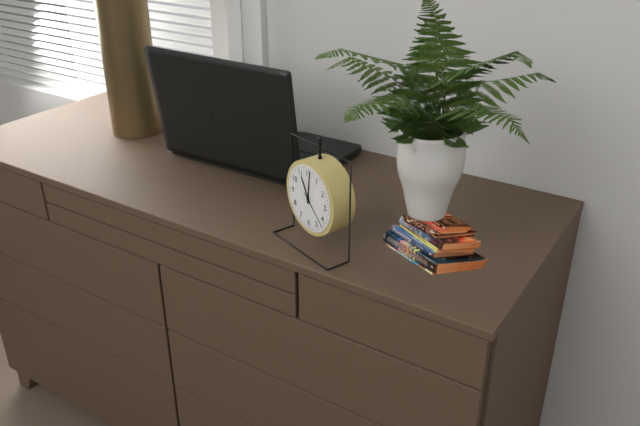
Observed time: 11h01
